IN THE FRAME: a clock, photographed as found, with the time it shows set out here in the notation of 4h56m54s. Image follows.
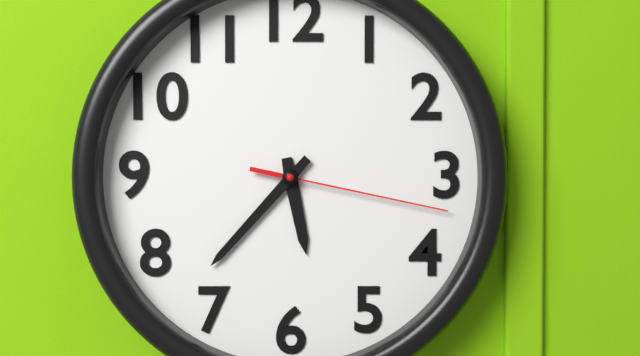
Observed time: 5h37m17s
